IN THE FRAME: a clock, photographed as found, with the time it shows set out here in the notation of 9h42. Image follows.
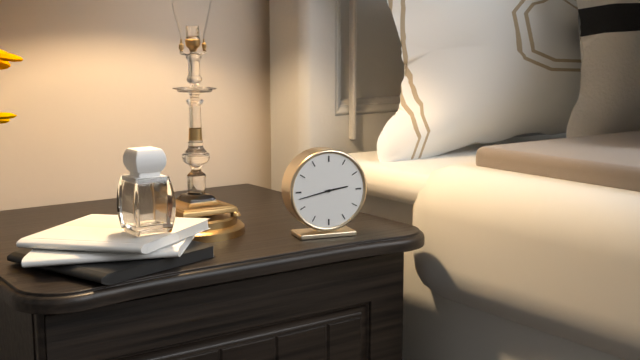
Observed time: 2h43
